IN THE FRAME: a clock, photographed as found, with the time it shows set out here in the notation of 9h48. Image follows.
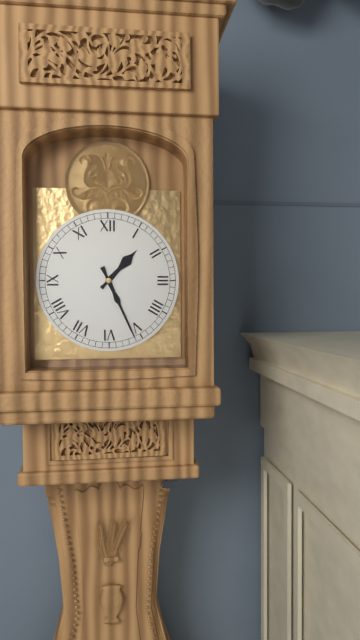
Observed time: 1h26
